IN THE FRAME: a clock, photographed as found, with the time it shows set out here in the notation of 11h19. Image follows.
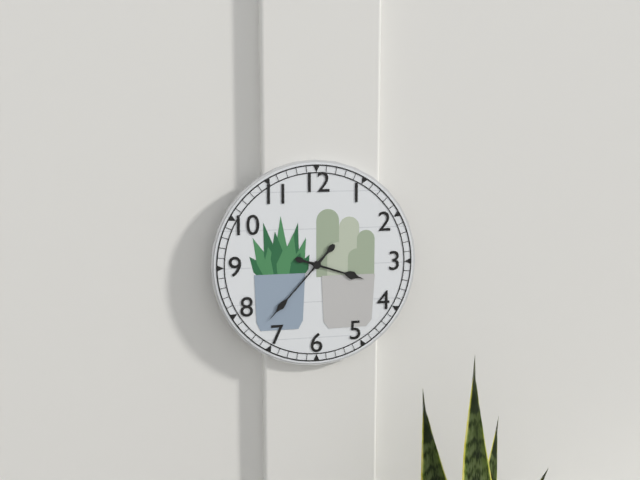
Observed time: 3h37
